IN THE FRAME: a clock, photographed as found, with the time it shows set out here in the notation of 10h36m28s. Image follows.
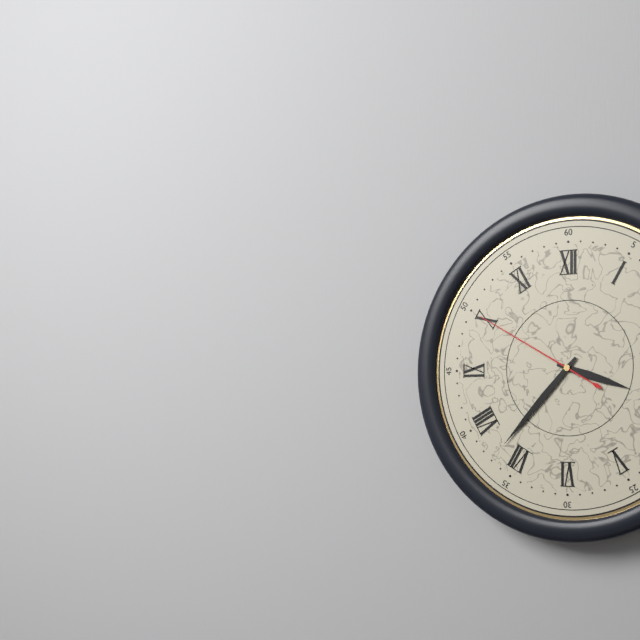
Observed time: 3h37m50s
